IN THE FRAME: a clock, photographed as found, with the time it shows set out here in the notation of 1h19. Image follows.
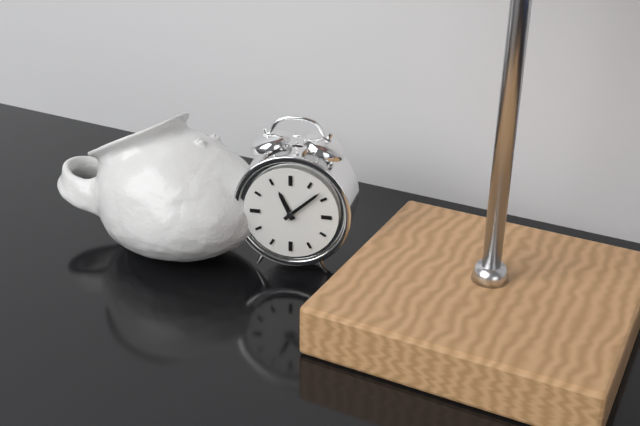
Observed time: 11h08
